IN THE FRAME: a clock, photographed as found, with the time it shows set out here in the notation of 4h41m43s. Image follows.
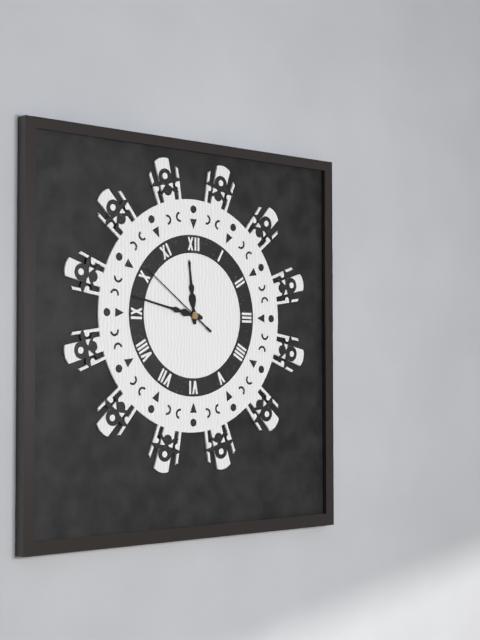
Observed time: 11h47m51s
